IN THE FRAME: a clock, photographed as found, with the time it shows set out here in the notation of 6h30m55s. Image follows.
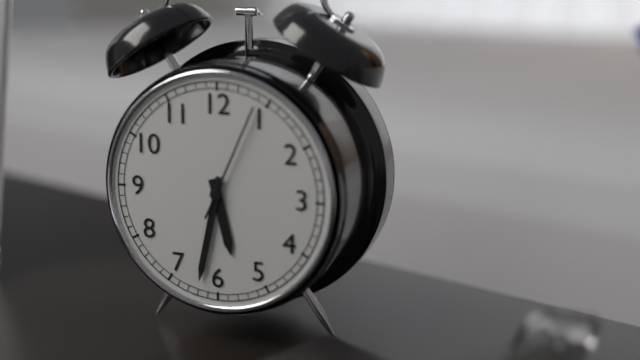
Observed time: 5h32m04s
